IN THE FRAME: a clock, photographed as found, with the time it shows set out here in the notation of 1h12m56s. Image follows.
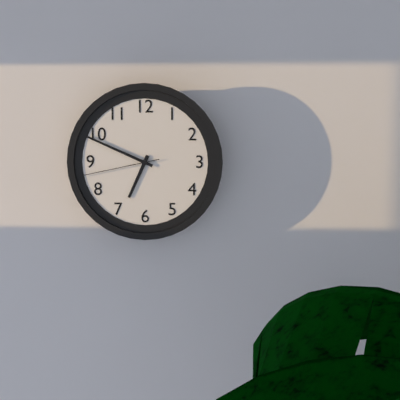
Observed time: 6h49m43s
